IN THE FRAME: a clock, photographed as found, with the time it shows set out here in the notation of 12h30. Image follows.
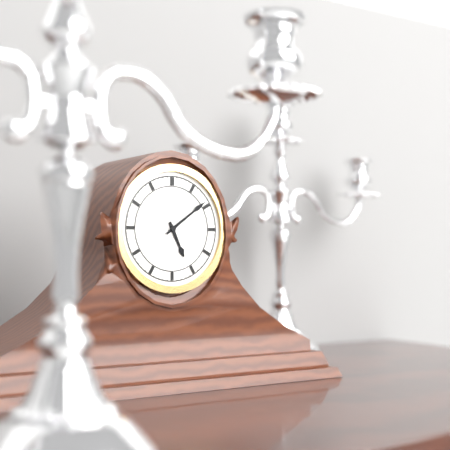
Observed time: 5h09
